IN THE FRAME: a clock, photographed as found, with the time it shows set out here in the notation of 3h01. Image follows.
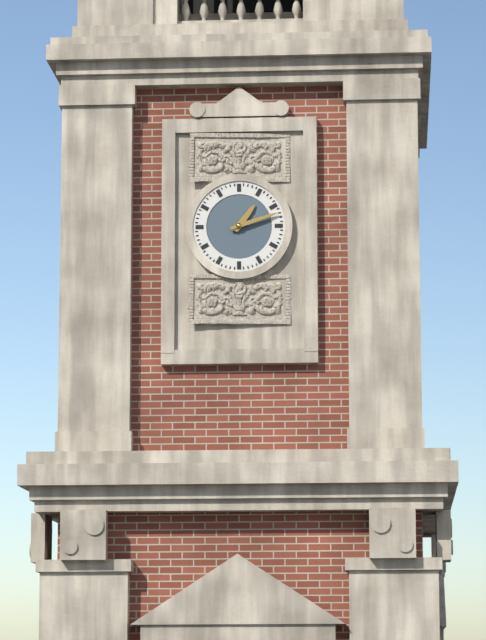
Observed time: 1h12
